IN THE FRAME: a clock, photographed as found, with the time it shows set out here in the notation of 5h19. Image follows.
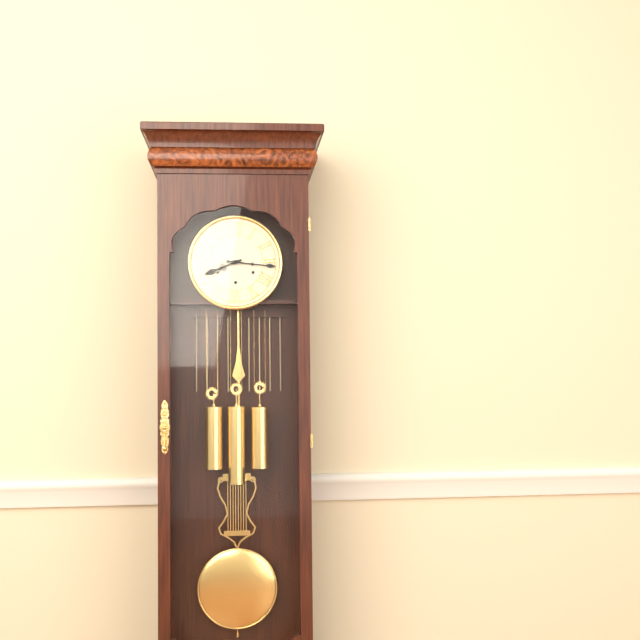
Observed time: 8h16
